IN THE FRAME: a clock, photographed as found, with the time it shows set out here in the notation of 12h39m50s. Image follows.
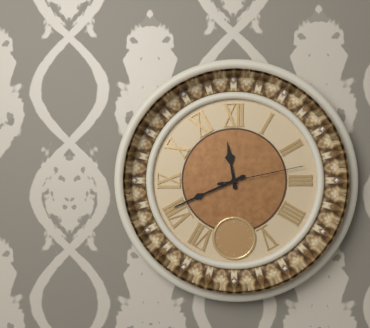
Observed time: 11h41m13s
